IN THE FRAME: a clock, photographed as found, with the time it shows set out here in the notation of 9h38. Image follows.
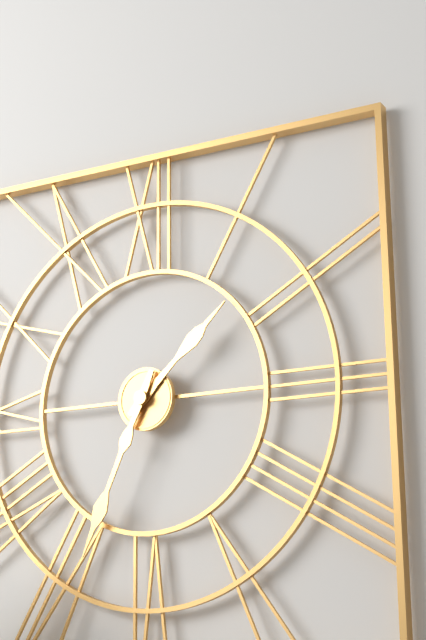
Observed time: 1h34
